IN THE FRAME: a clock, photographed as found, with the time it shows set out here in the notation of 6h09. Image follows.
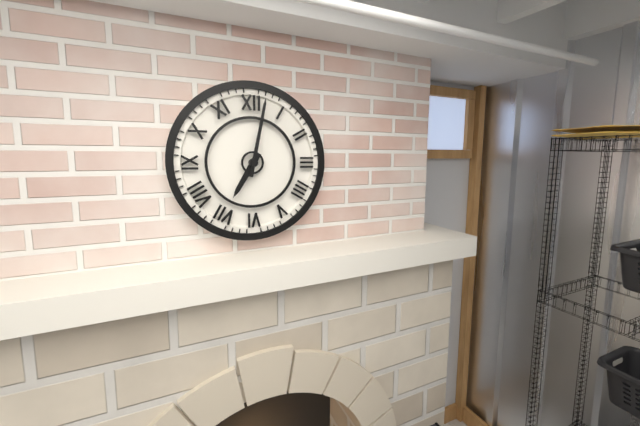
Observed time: 7h02
